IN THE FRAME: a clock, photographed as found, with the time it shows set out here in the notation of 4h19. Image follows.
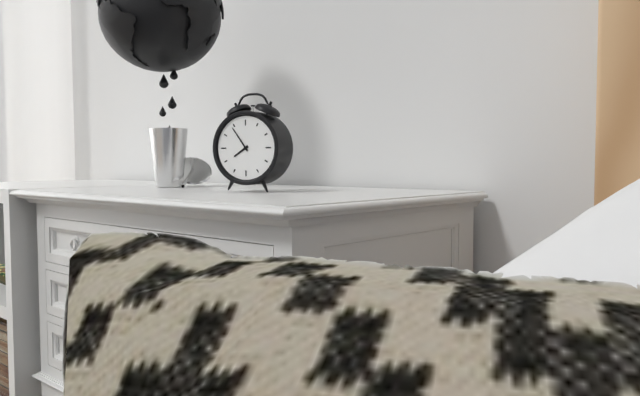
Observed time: 7h54
